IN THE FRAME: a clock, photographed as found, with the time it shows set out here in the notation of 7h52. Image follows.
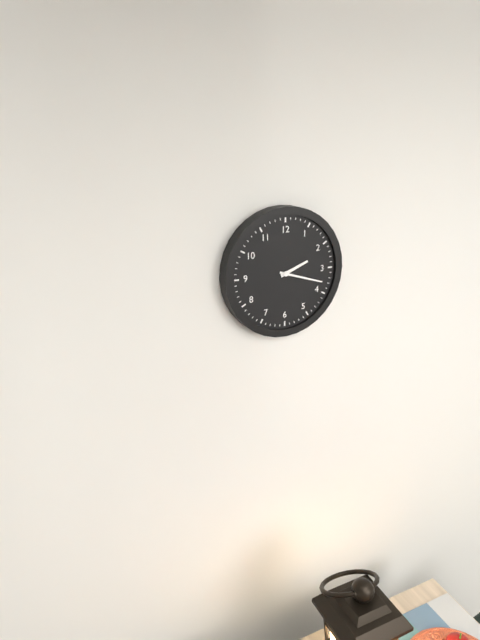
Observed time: 2h18
